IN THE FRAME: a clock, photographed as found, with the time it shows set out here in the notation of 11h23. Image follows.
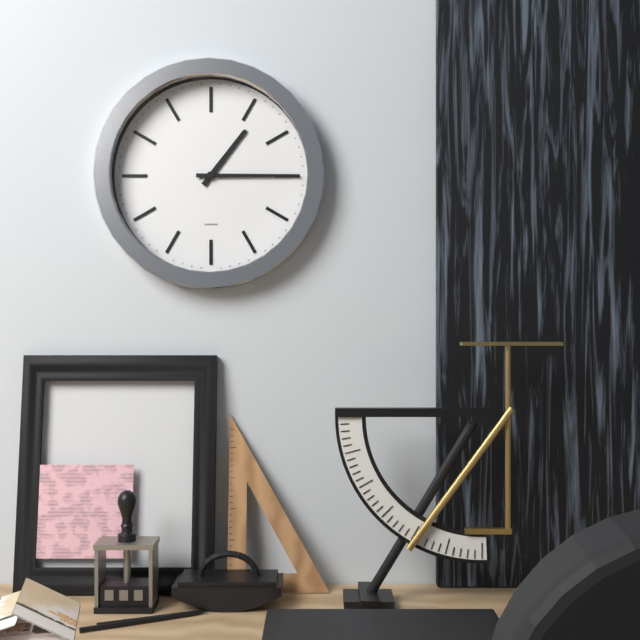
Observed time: 1h15
